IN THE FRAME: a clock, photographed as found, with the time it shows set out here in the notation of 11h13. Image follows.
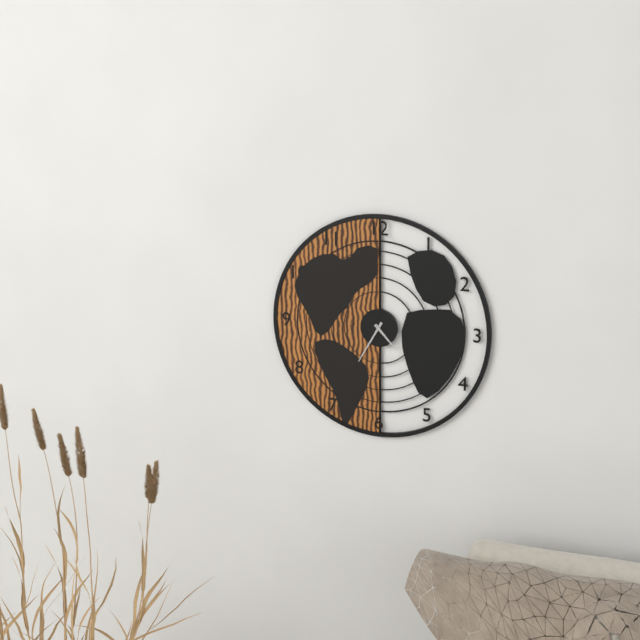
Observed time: 4h35
